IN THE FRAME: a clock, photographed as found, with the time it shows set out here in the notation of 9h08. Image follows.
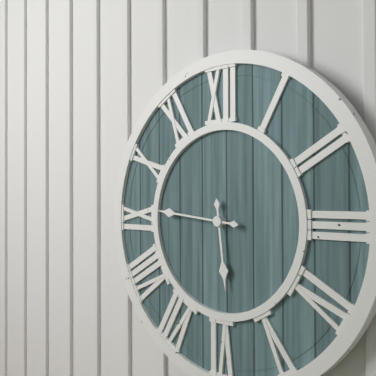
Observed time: 5h46
